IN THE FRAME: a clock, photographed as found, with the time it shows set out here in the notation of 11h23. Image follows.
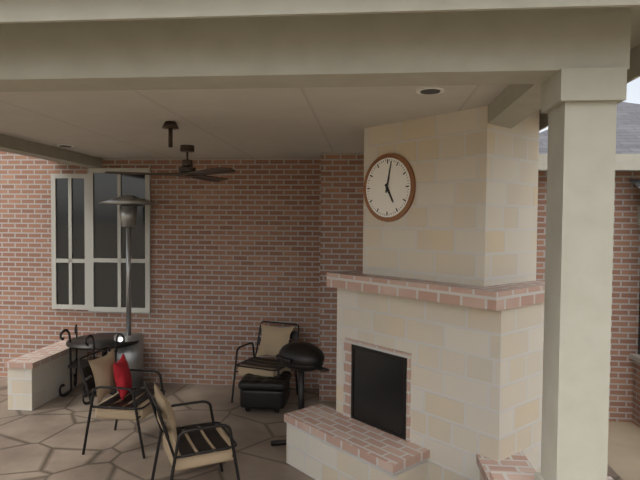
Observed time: 5h02
